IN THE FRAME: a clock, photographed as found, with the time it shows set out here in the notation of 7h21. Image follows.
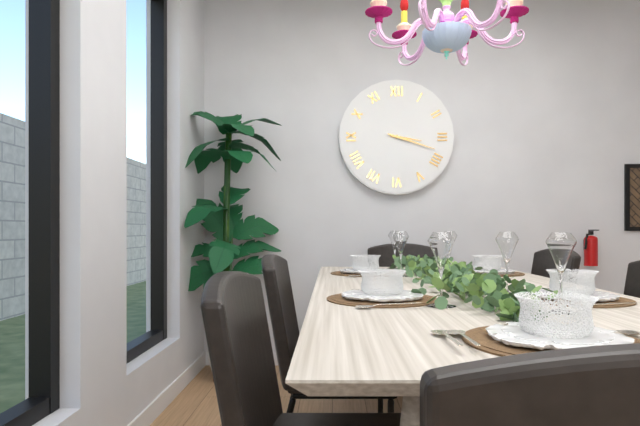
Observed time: 3h18
